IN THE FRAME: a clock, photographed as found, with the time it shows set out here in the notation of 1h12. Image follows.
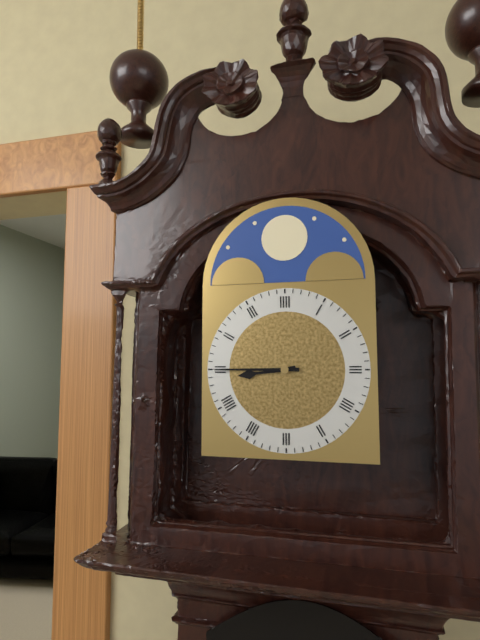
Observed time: 8h45
